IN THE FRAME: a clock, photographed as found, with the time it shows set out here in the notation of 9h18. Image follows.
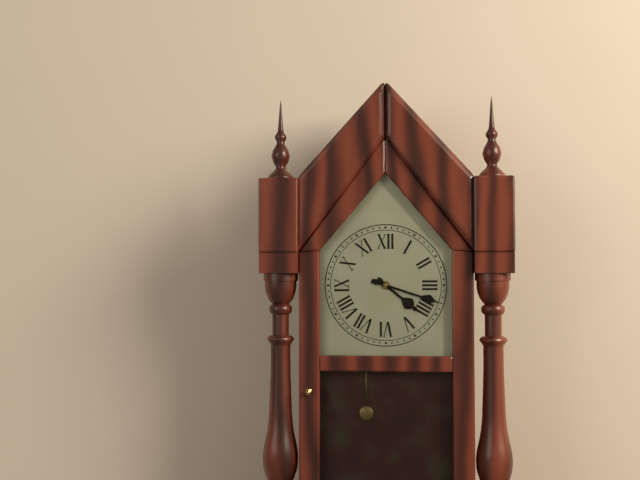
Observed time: 4h18
